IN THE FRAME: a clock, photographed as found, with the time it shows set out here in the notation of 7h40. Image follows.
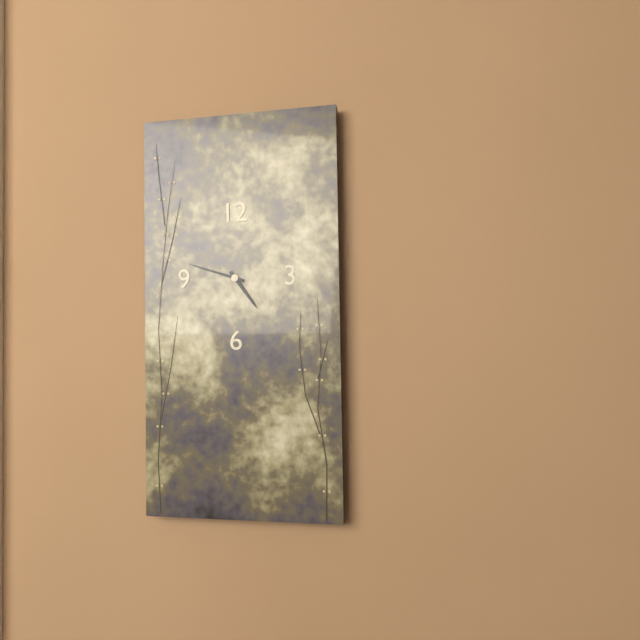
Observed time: 4h48
